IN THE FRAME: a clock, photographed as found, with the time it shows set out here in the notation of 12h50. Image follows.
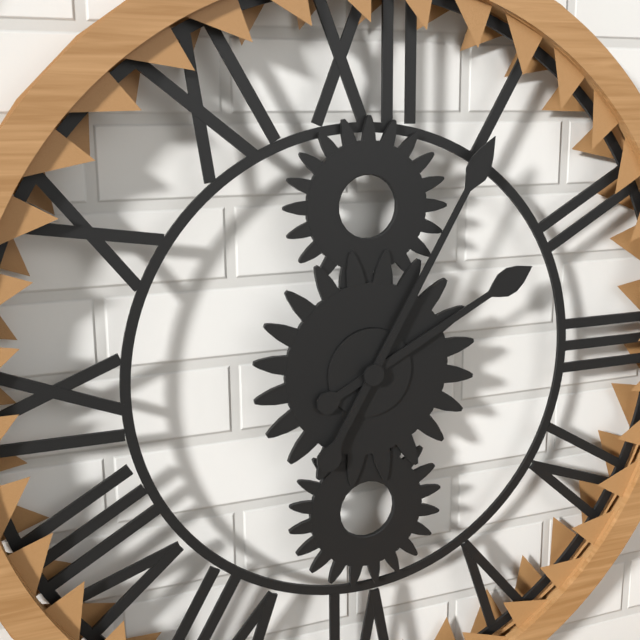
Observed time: 2h05
